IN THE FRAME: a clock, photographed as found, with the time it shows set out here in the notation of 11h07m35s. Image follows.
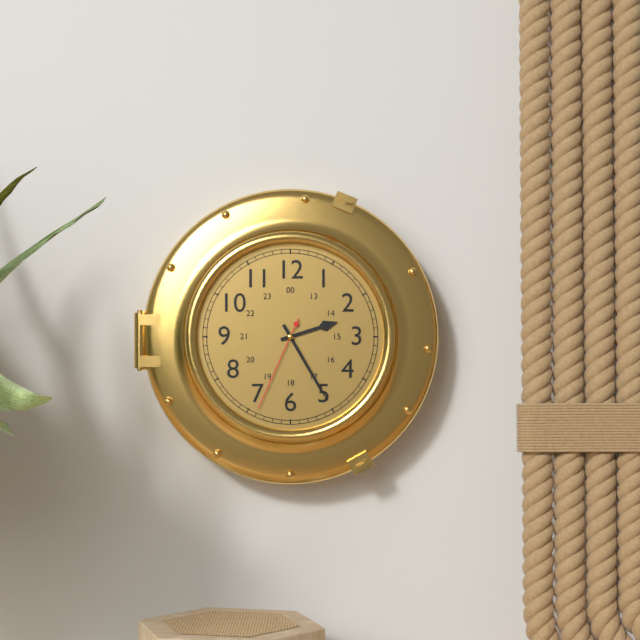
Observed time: 2h25m34s
